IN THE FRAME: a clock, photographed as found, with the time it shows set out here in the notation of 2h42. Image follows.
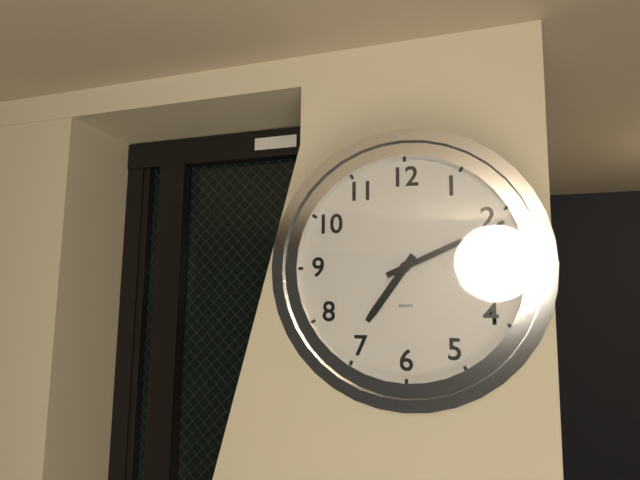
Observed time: 7h11
